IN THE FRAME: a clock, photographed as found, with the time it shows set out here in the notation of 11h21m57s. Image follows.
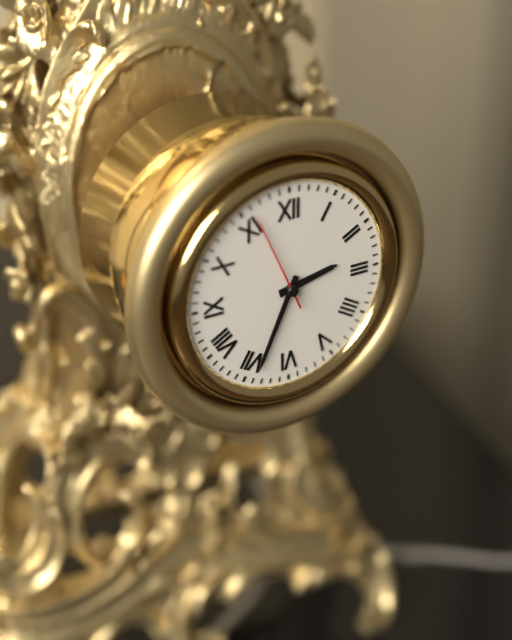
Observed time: 2h34m56s
